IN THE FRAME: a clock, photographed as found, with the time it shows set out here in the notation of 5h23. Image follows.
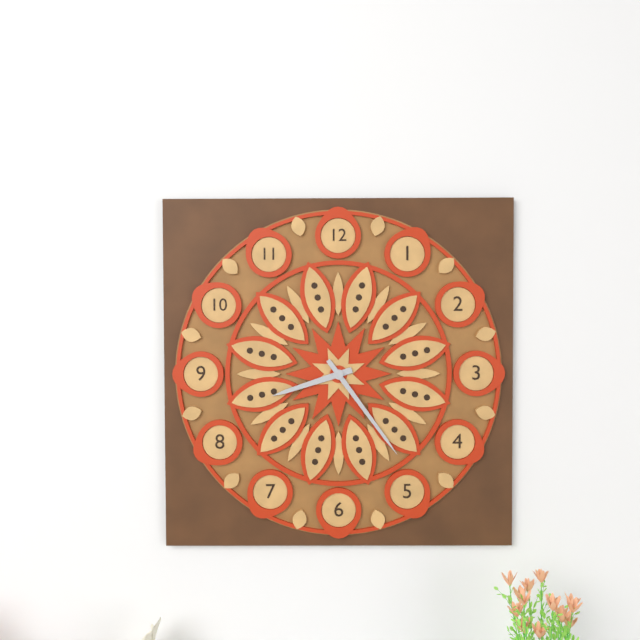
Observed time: 8h24
